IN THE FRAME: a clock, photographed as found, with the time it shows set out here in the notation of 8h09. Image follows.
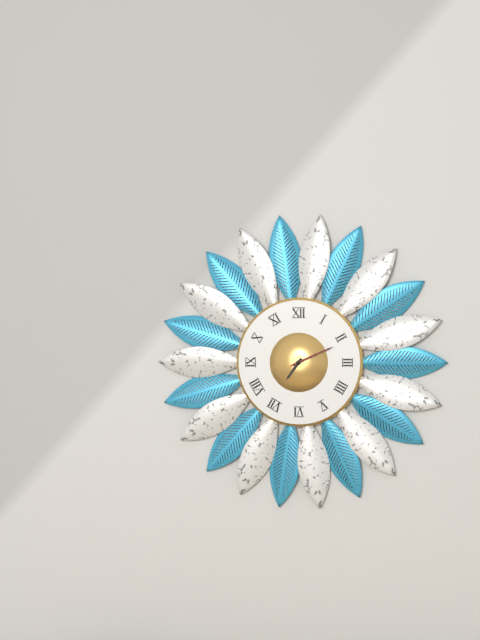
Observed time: 7h11
